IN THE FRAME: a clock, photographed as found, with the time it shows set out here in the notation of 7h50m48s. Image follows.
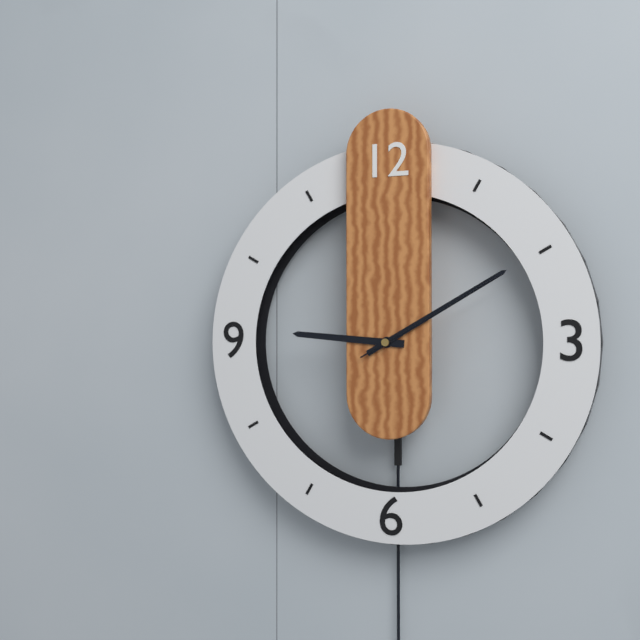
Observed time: 9h10m10s
